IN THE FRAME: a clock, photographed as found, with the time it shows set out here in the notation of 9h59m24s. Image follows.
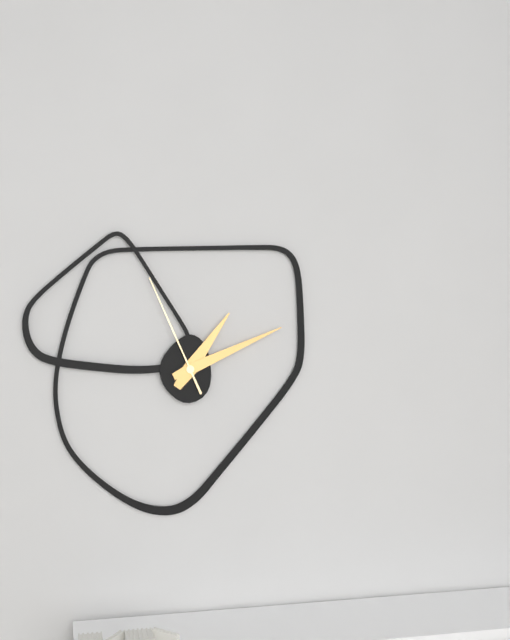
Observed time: 1h11m56s
